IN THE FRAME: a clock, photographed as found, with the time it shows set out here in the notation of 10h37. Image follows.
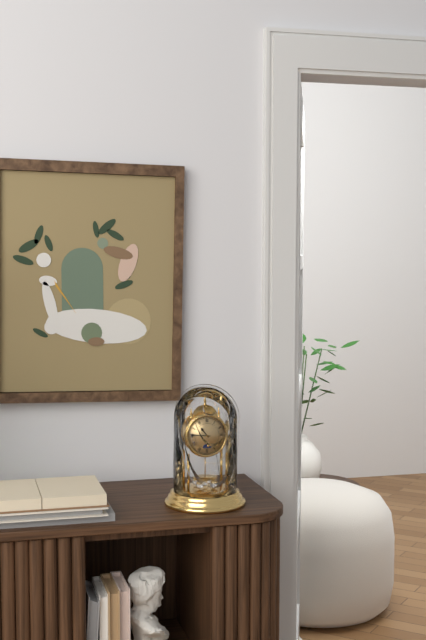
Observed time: 10h46
